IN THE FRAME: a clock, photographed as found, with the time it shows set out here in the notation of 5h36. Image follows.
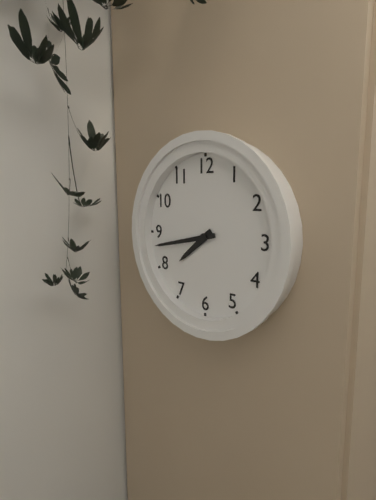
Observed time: 7h43
